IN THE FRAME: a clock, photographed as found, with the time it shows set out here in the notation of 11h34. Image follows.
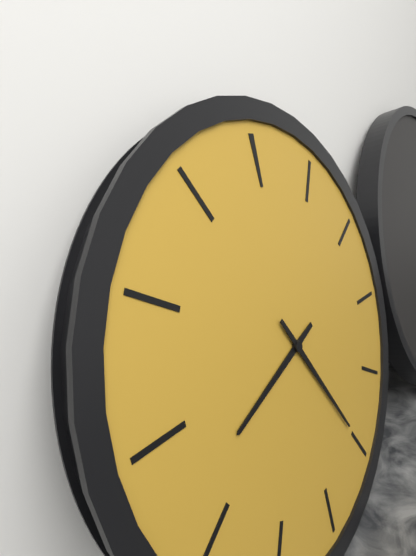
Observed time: 8h25
